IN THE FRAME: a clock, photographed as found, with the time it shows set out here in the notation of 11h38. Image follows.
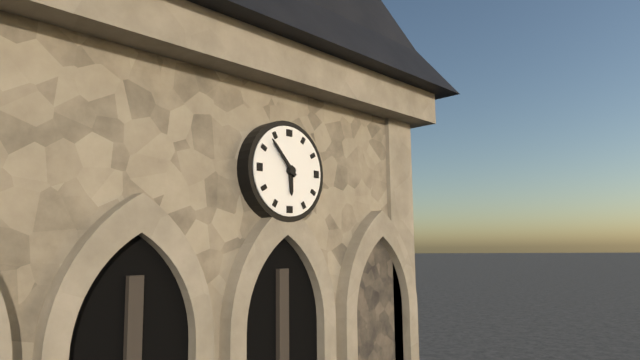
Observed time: 5h53
